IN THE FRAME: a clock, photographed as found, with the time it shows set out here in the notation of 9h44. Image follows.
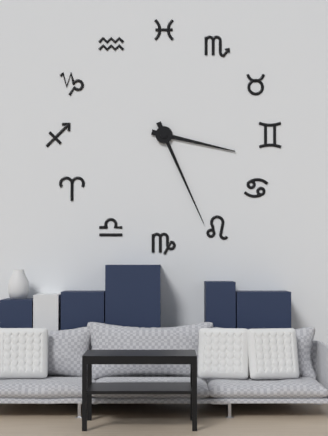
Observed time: 3h26
